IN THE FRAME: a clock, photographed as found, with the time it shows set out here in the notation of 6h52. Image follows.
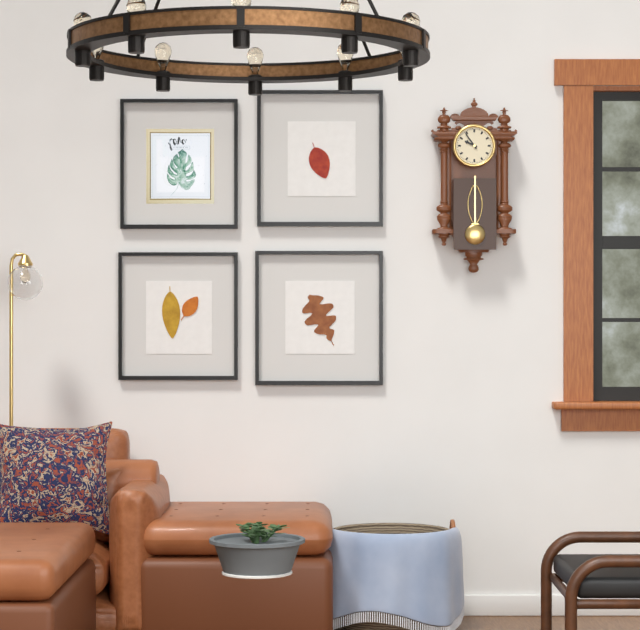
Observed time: 9h54
